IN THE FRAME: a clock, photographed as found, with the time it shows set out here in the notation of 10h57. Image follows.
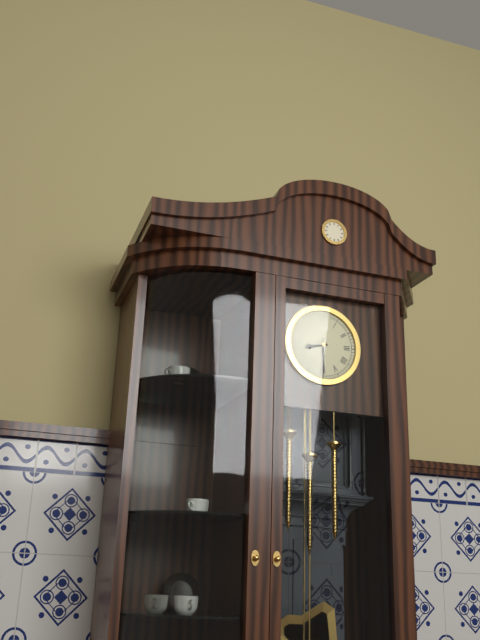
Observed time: 8h30
